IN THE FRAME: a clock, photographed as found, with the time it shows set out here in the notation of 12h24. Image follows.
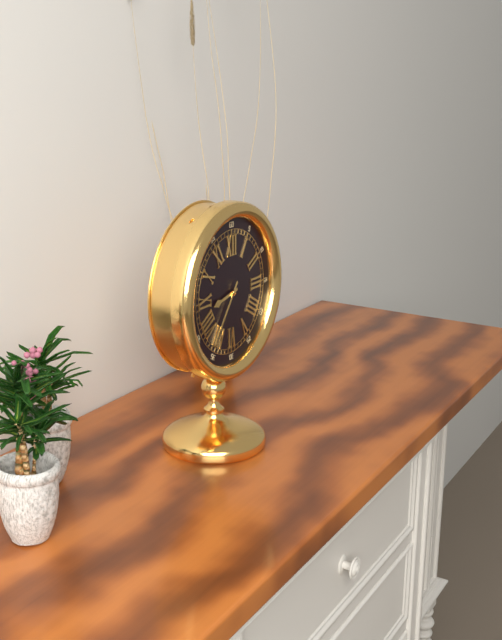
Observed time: 8h36
